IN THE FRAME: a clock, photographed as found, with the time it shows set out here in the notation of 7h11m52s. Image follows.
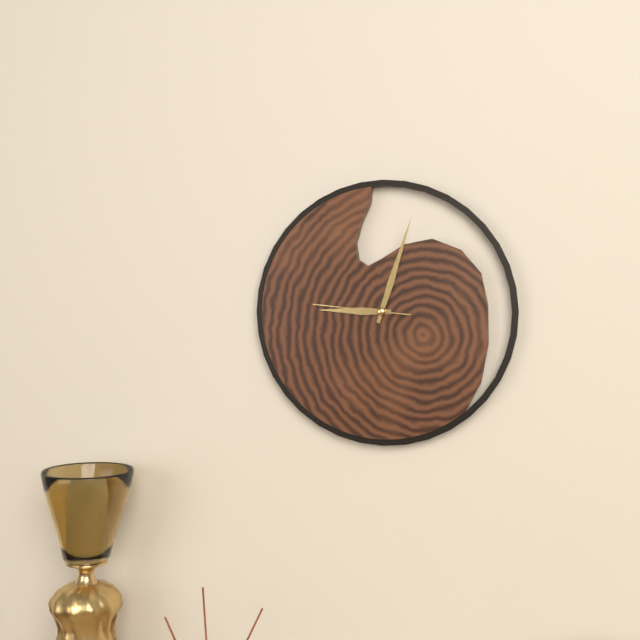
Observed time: 9h03m46s
